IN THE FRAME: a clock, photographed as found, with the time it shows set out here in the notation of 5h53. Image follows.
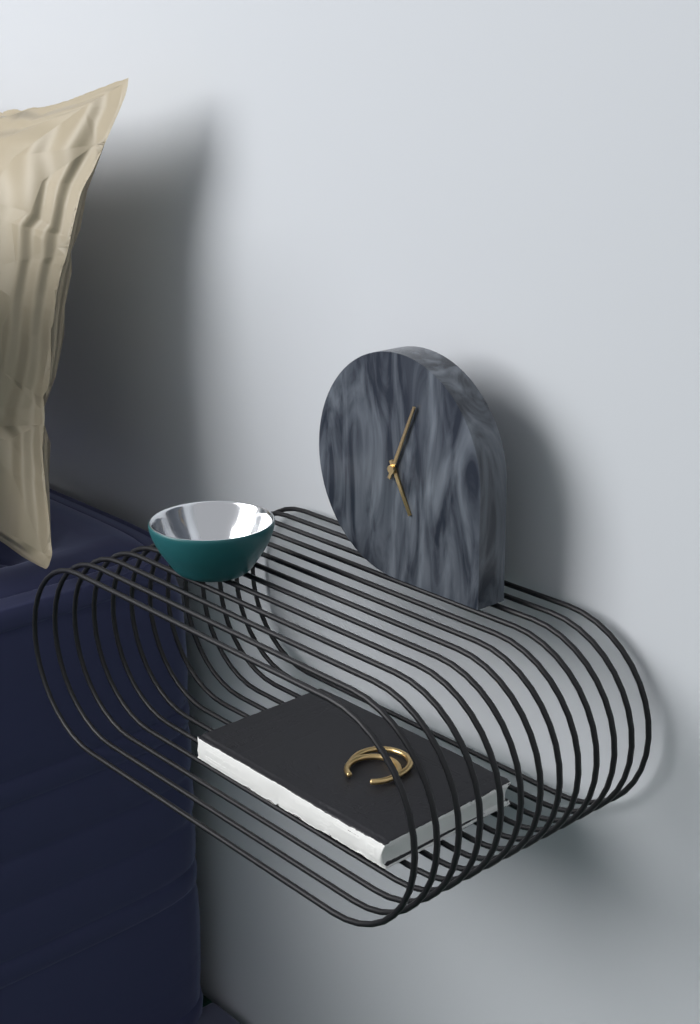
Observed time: 5h04
